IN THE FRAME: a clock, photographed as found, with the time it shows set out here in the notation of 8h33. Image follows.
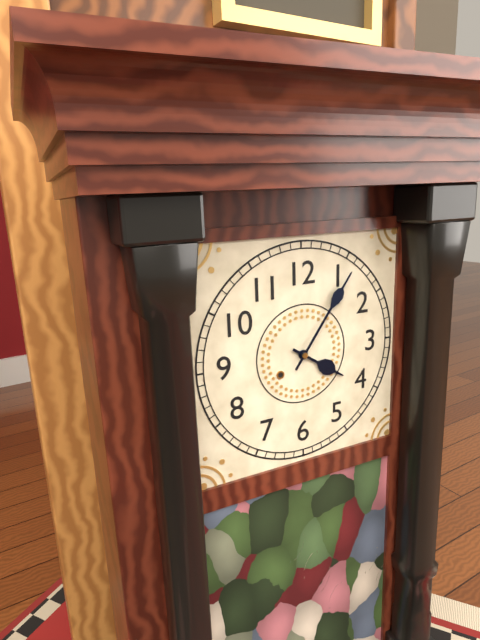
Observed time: 4h06
